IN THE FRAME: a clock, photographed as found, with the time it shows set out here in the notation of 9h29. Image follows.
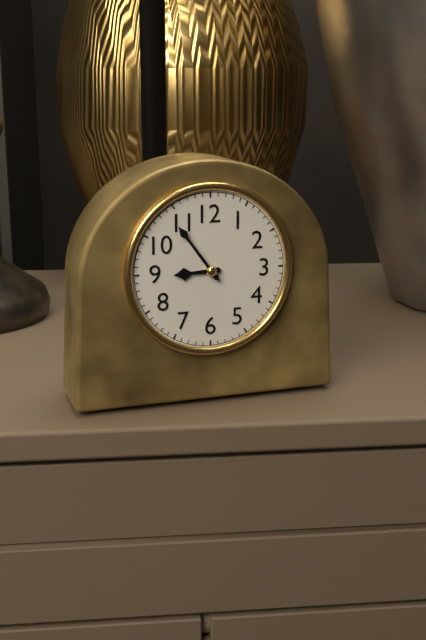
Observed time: 8h54
